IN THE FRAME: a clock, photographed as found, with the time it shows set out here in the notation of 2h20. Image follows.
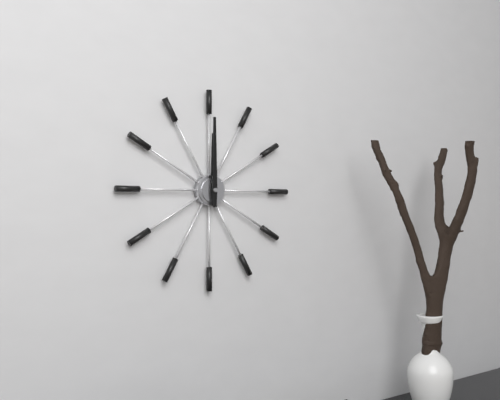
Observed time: 12h00
